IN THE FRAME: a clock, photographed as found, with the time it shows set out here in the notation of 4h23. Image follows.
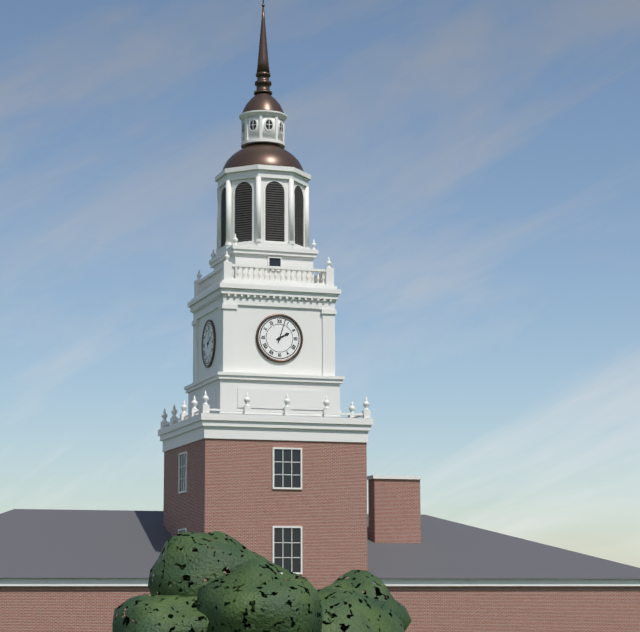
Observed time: 2h03
